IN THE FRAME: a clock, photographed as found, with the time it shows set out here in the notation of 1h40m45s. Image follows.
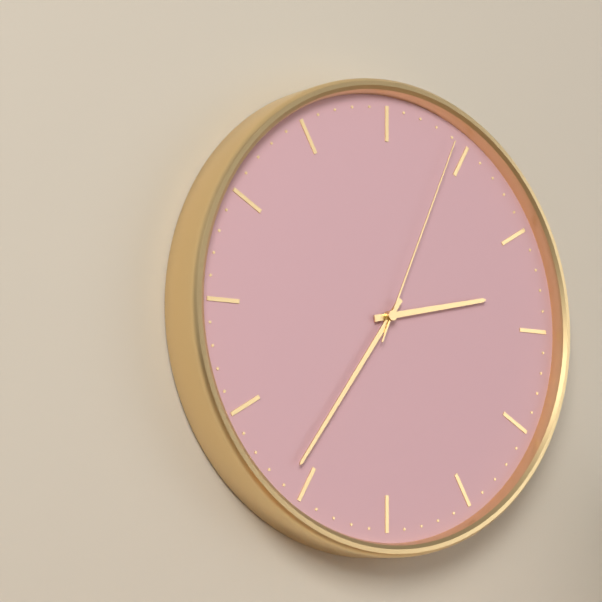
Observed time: 2h36m04s
